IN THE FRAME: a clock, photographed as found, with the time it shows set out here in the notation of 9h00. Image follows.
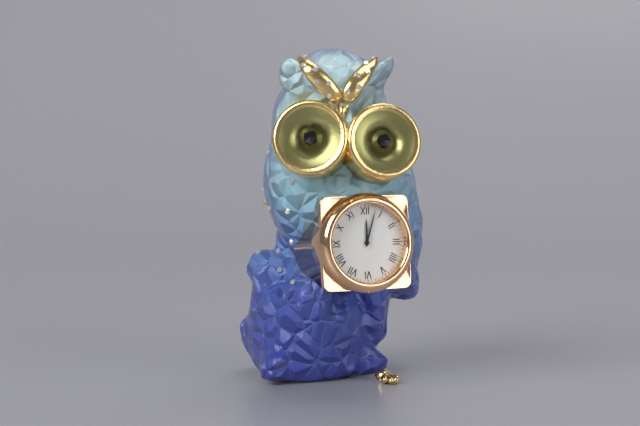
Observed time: 12h03
